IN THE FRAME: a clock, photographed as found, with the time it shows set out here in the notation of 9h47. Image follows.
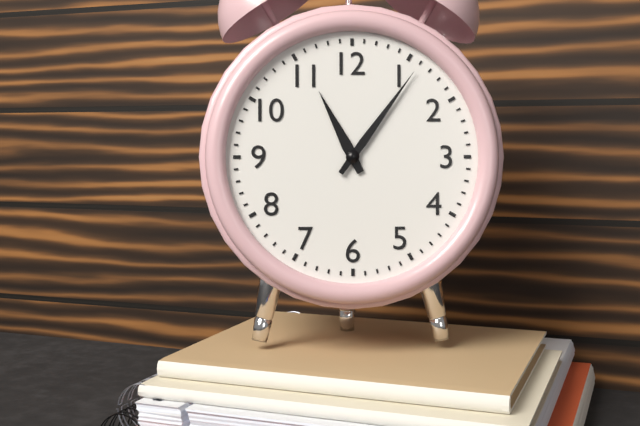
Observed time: 11h06
